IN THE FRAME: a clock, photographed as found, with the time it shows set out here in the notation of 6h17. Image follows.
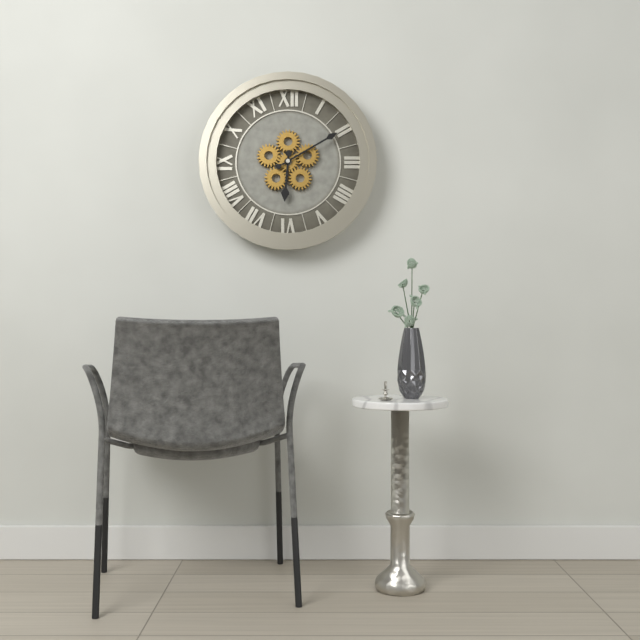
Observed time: 6h10
